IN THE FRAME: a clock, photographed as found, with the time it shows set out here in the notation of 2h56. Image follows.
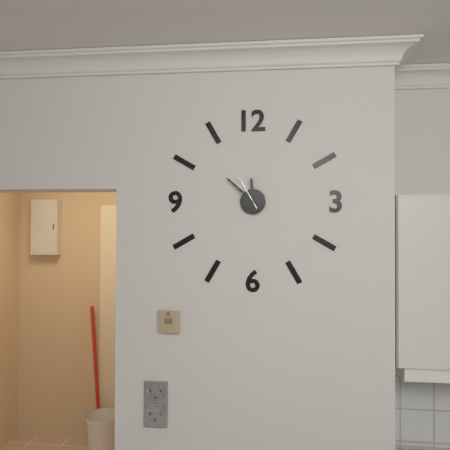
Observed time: 11h52
